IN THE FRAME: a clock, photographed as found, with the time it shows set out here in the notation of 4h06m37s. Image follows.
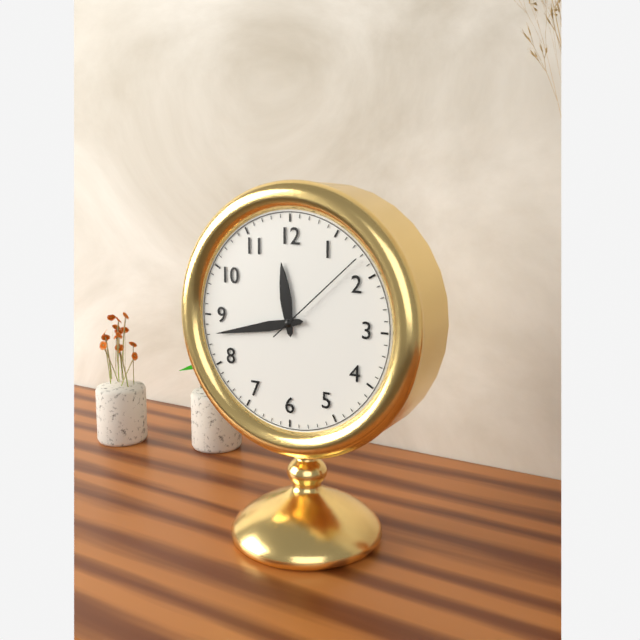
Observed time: 11h43m08s
